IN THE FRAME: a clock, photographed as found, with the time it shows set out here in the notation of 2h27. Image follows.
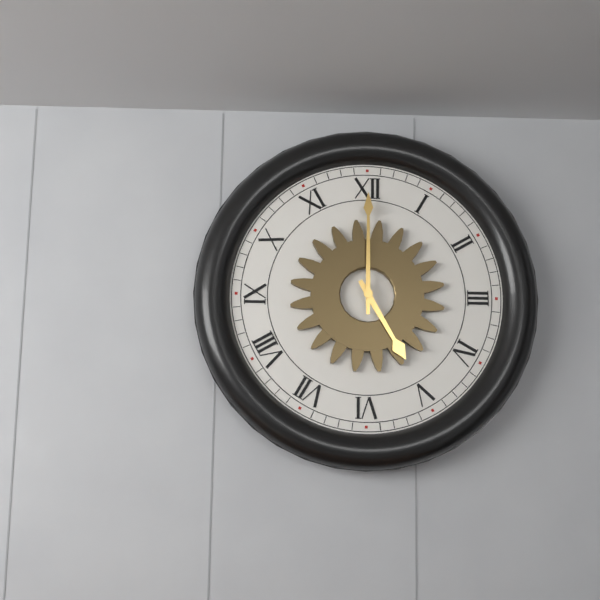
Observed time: 5h00
